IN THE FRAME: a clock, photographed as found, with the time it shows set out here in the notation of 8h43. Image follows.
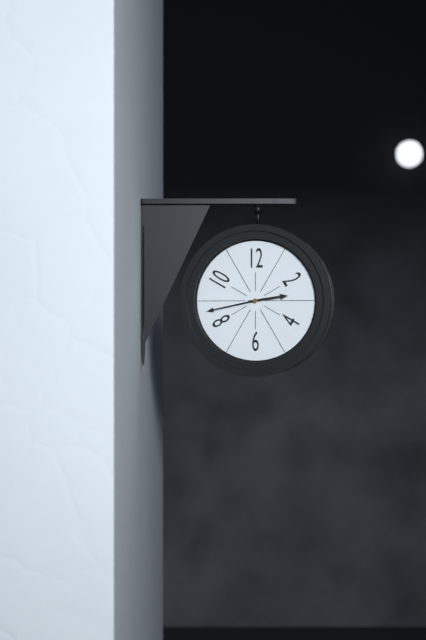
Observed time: 2h43
